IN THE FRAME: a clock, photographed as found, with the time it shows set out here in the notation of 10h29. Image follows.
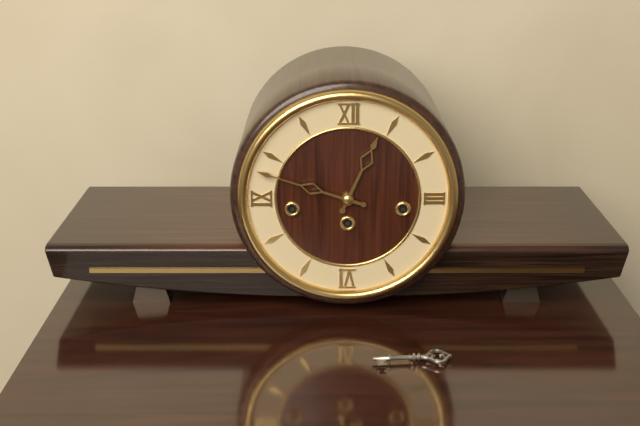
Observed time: 12h48
